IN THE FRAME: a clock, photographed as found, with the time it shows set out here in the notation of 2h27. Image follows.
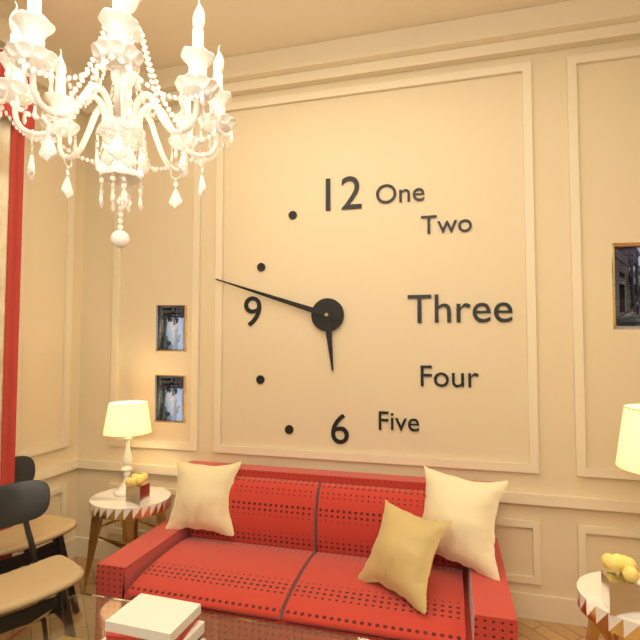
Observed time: 5h48
